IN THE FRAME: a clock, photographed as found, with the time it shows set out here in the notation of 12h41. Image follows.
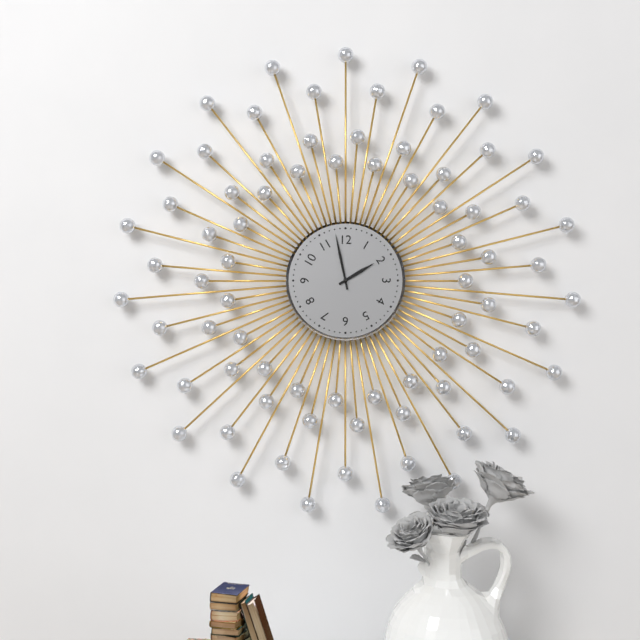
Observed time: 1h58
